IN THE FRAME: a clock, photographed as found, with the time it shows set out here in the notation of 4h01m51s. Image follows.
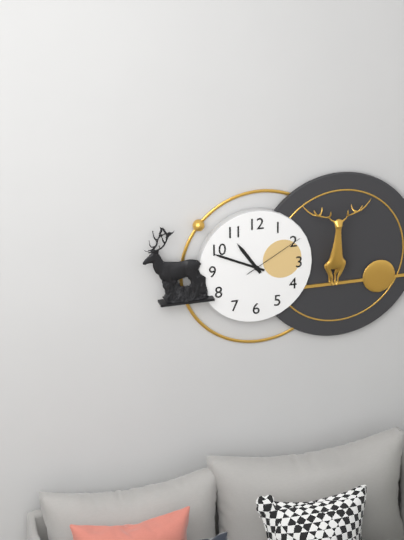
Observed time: 10h49m10s
